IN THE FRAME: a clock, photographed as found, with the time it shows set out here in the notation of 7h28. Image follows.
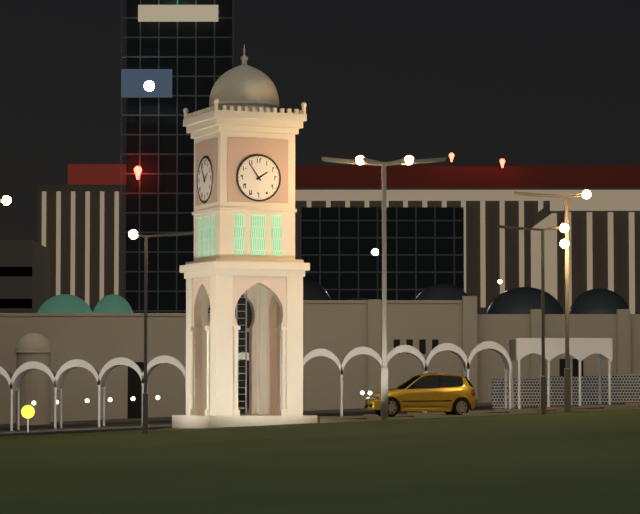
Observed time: 1h54
